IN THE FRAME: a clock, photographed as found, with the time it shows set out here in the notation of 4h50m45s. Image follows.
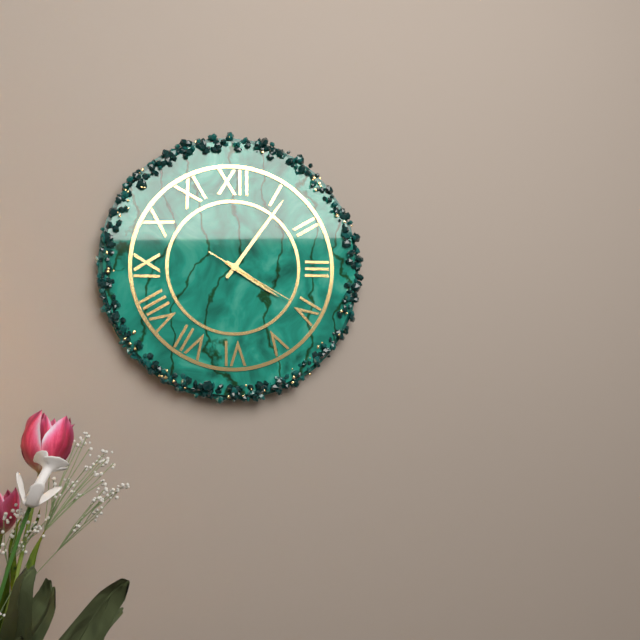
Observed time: 4h06m20s
